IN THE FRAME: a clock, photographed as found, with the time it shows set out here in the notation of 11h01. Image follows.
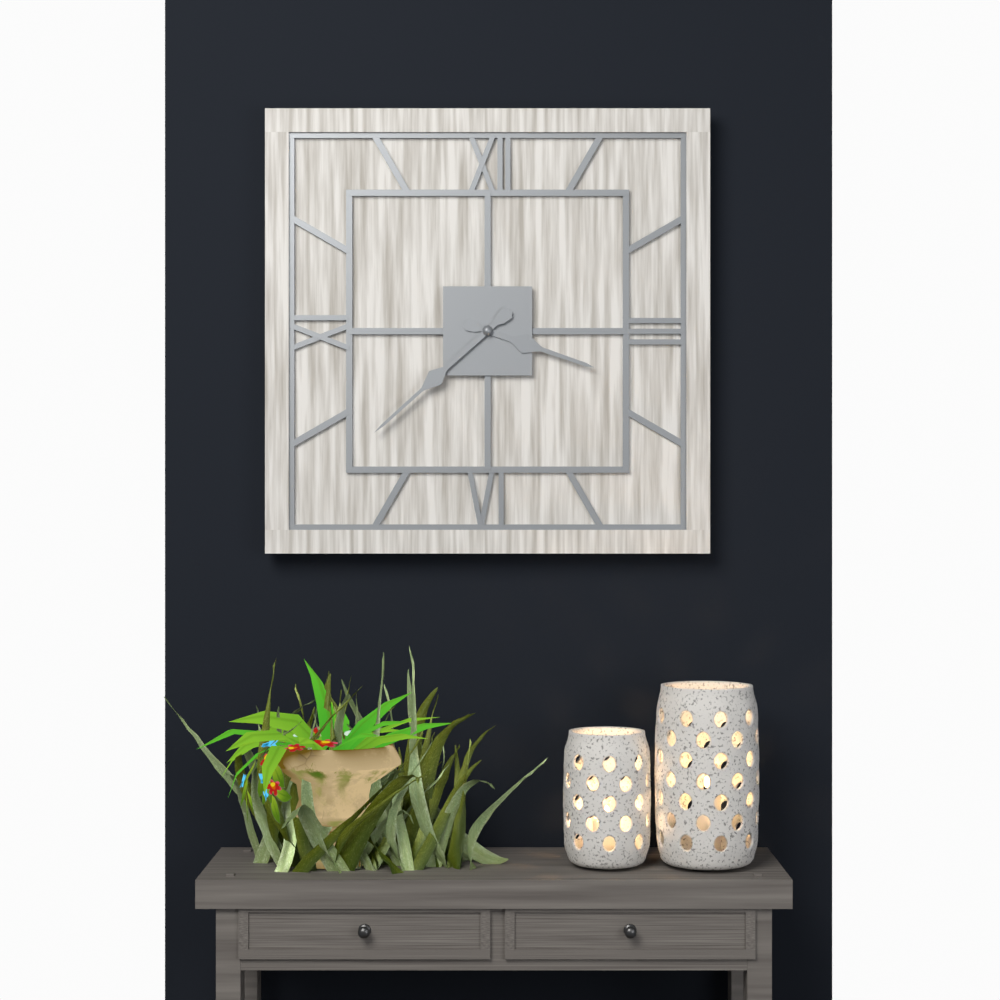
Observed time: 3h38
